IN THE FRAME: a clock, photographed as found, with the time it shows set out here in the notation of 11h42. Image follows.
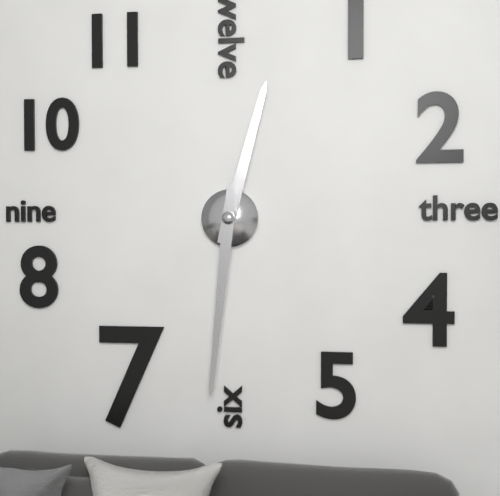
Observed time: 12h31
